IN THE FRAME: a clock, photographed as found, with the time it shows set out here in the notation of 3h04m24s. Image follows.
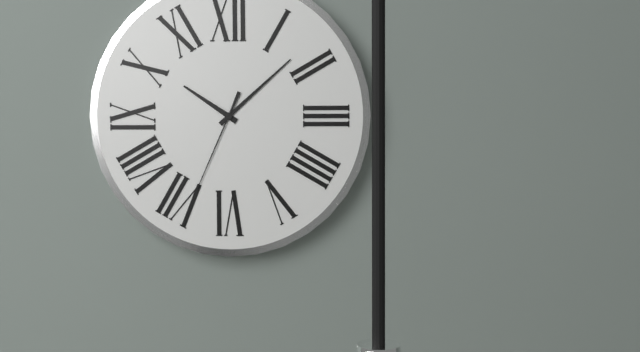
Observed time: 10h08m34s
